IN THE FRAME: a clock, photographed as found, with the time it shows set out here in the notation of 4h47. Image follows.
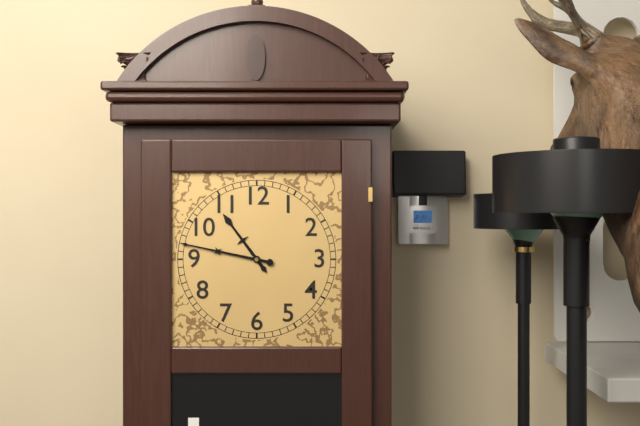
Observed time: 10h47
